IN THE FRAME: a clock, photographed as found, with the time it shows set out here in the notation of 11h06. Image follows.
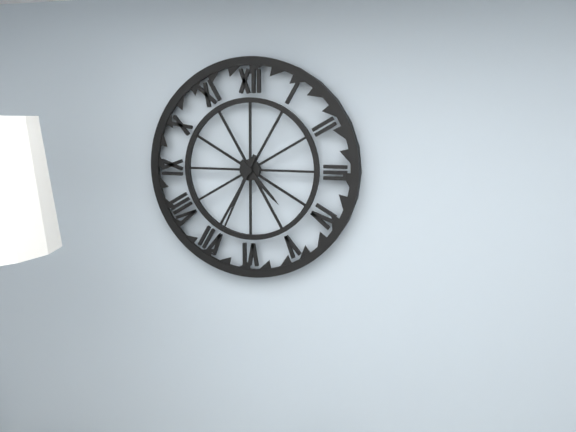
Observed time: 4h34
